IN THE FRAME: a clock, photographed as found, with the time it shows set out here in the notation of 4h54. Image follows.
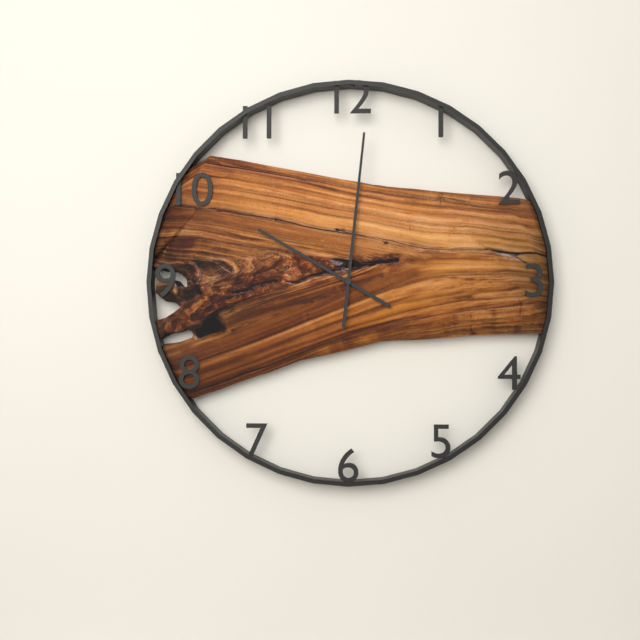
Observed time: 10h01
